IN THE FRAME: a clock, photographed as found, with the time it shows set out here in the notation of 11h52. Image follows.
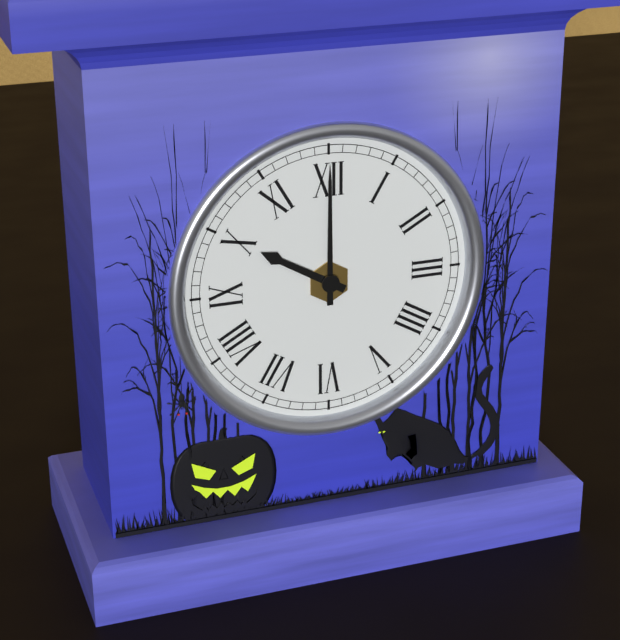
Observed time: 10h00
